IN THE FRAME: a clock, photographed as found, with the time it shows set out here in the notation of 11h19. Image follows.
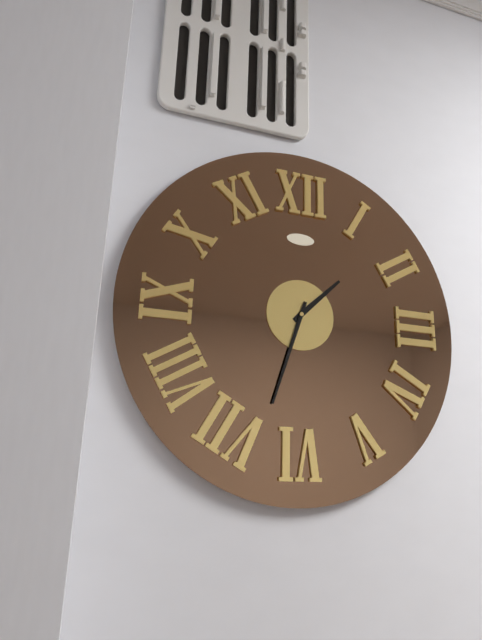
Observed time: 1h33
